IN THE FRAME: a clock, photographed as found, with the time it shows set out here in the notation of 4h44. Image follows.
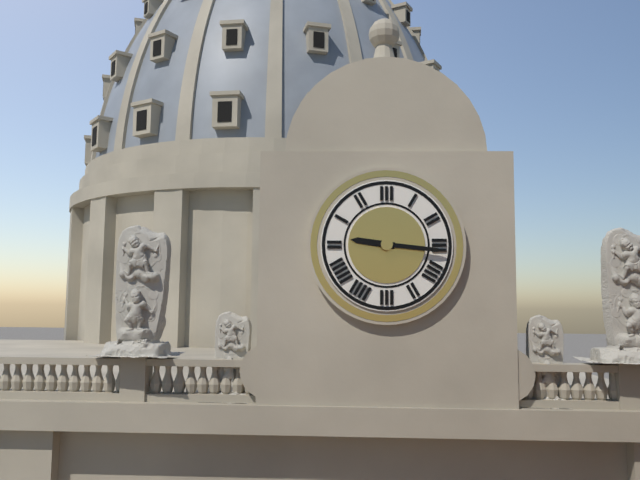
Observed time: 9h16
